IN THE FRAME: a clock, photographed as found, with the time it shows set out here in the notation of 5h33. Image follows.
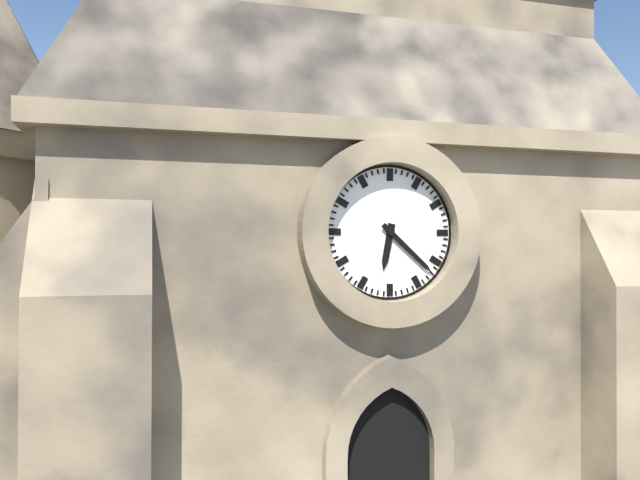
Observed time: 6h22
